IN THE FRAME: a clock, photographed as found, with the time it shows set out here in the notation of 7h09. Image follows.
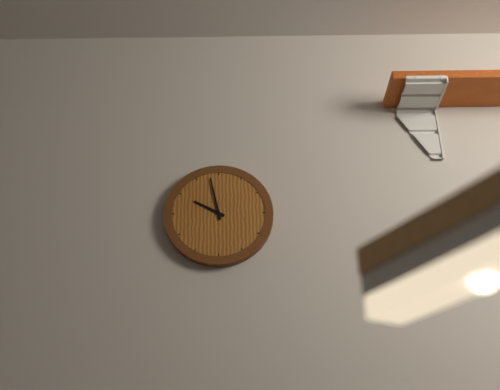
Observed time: 9h58
